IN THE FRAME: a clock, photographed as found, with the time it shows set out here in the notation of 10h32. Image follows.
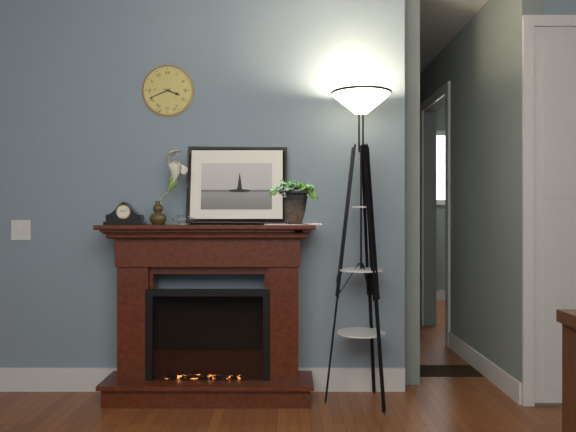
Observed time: 3h41
